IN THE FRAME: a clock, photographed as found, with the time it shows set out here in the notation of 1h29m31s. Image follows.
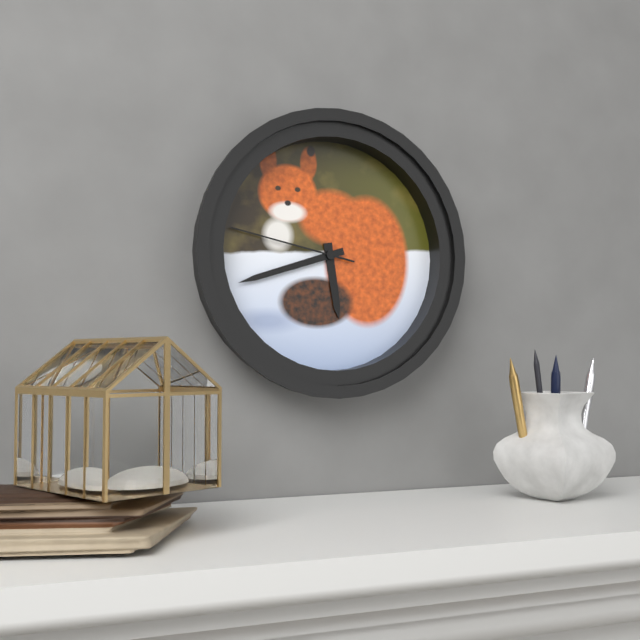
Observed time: 5h42m47s
